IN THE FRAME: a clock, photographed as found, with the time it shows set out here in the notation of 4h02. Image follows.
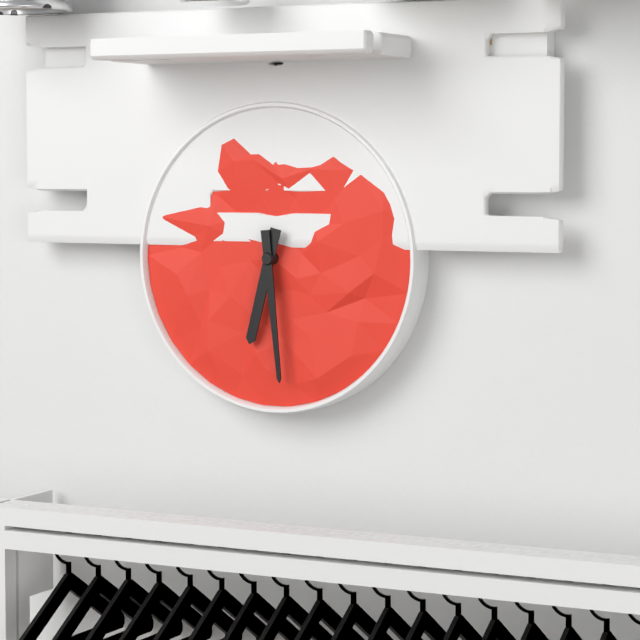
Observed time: 6h29
